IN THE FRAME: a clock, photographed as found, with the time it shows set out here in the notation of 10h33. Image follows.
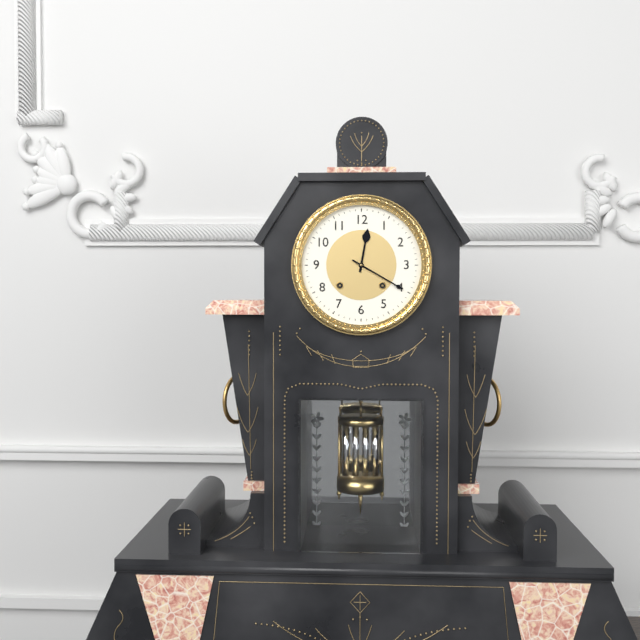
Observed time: 12h20
